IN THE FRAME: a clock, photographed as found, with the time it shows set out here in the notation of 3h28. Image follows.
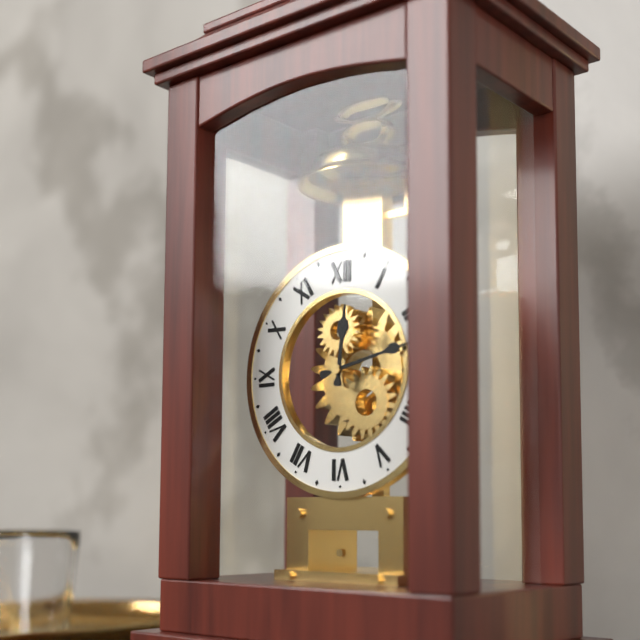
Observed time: 12h13
